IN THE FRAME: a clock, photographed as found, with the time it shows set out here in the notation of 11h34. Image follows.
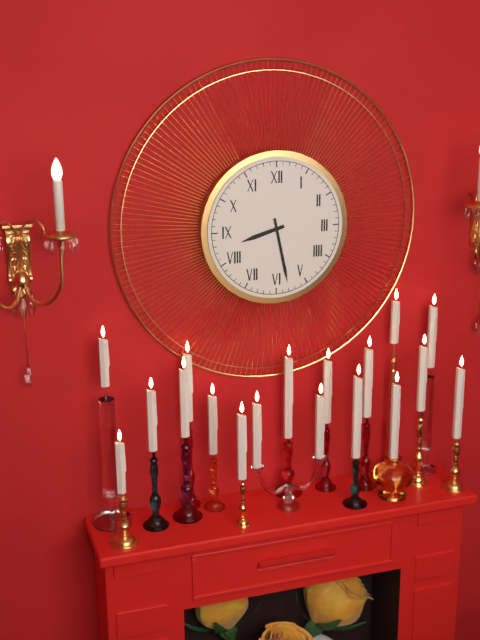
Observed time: 8h28
